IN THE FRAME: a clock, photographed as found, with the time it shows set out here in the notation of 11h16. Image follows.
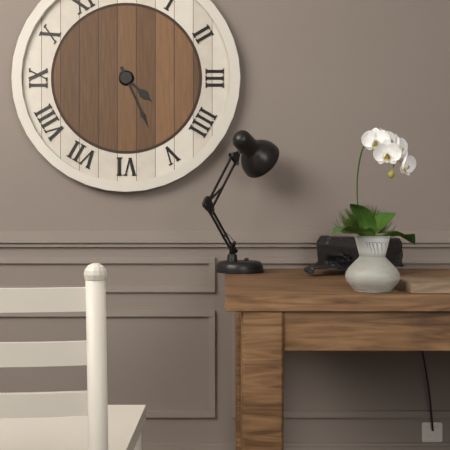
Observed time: 4h26
